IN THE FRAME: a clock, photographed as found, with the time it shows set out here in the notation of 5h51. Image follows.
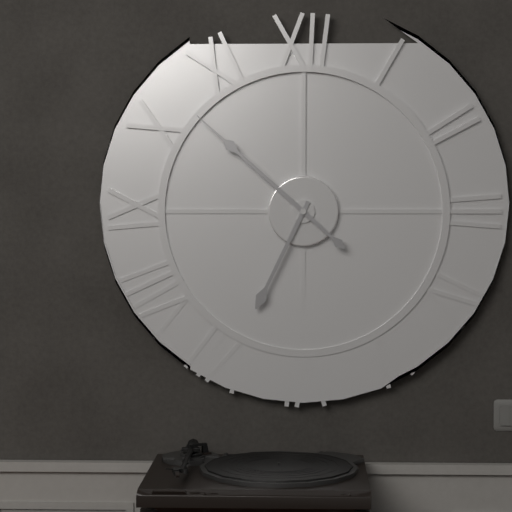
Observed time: 6h52
